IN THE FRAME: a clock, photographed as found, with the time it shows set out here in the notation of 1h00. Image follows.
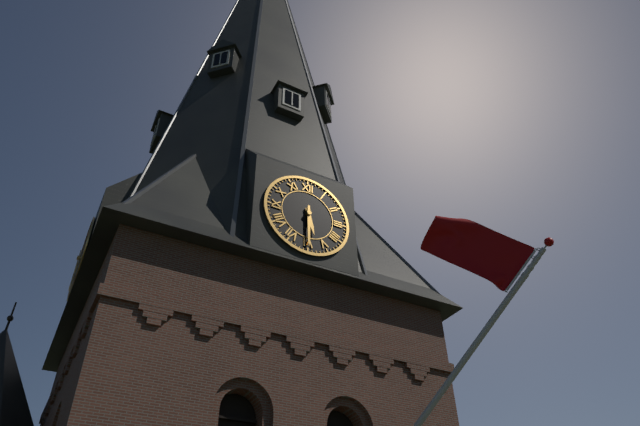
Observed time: 5h30
